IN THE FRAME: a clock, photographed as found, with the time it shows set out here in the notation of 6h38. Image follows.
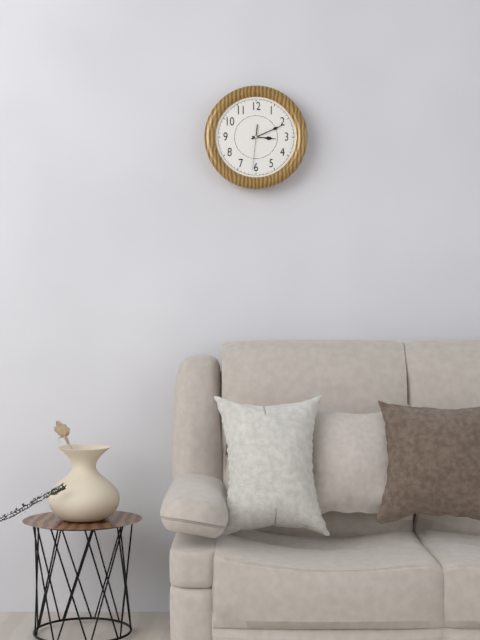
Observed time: 3h11
